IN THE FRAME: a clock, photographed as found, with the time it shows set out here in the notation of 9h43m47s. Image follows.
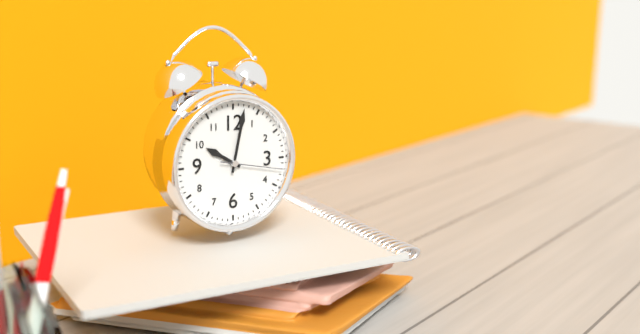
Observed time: 10h02m17s
